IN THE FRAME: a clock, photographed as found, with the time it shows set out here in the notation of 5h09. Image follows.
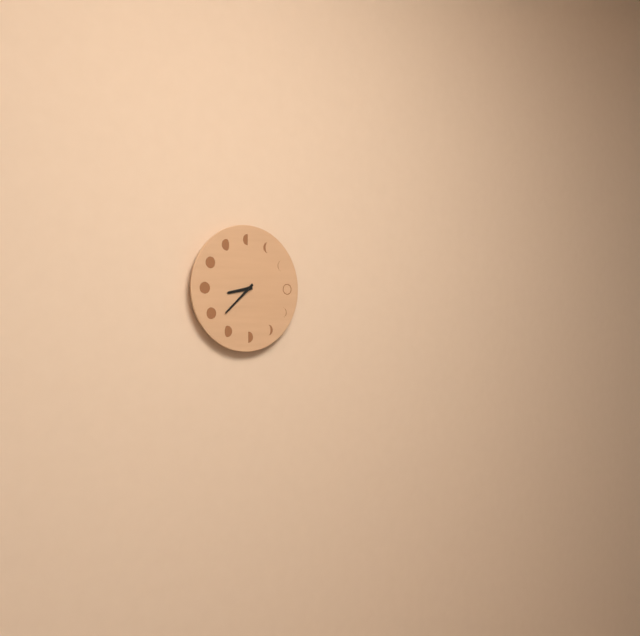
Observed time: 8h38
